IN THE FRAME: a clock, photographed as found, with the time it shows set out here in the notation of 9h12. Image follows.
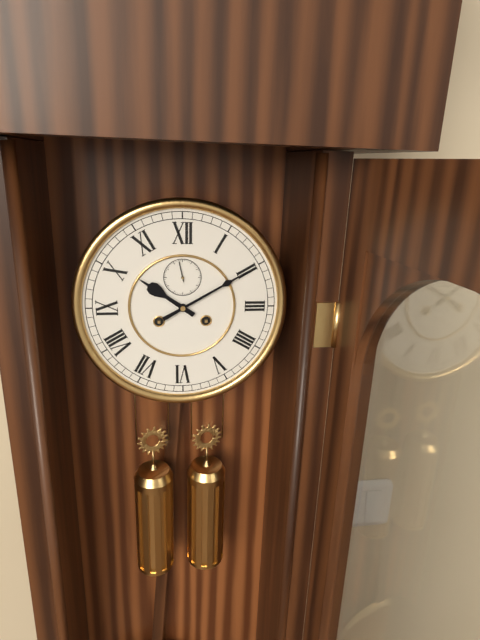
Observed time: 10h10
